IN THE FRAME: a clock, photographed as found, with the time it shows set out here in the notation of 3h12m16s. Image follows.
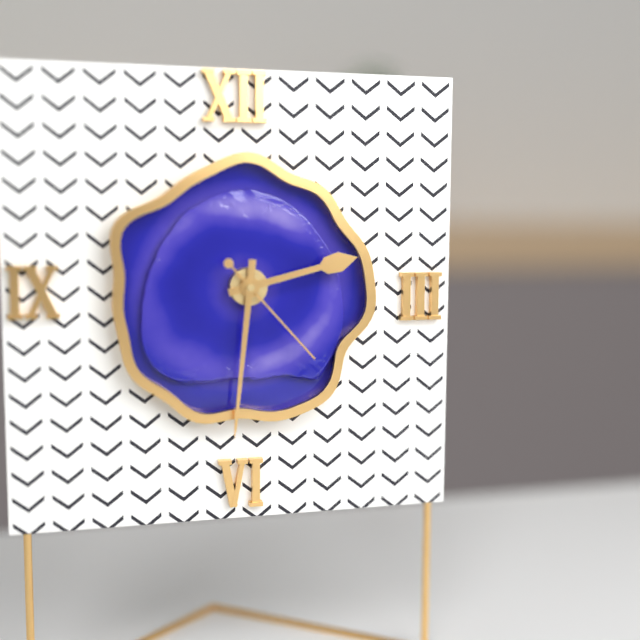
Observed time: 2h31m23s
